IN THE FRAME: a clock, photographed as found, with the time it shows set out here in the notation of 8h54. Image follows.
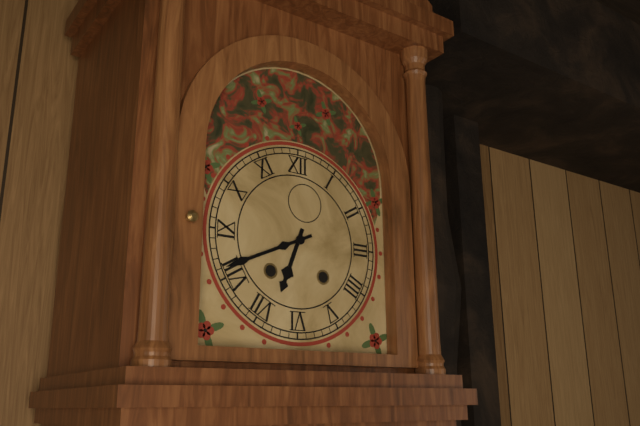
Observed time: 6h41
